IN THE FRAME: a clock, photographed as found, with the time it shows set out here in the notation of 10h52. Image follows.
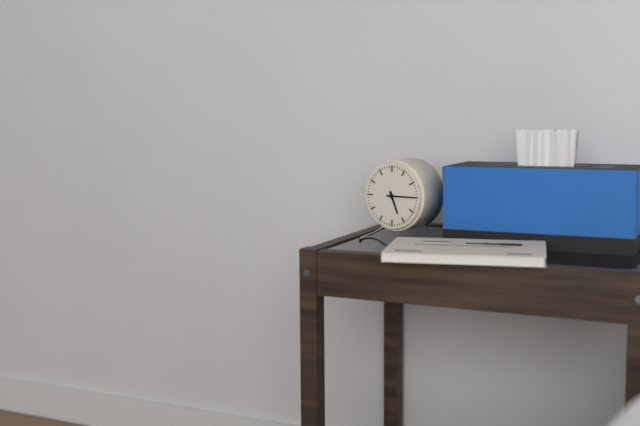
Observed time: 5h15
